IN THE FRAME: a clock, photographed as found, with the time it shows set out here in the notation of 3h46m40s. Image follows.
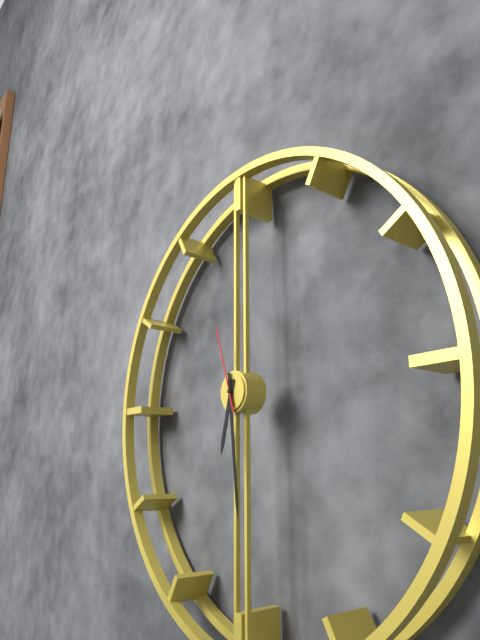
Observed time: 6h29m57s
